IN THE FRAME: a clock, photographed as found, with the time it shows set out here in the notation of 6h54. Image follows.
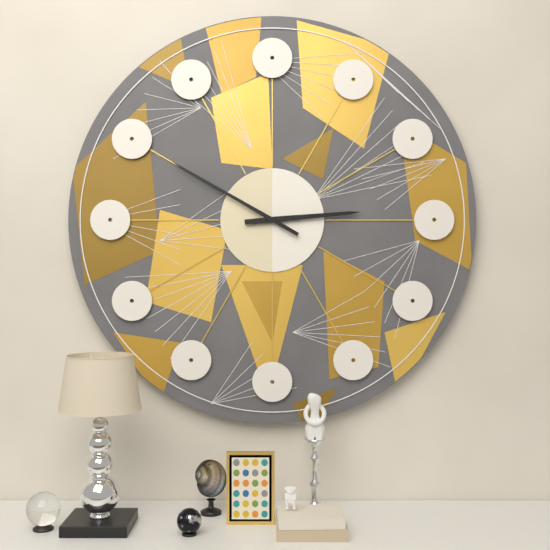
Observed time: 2h50
